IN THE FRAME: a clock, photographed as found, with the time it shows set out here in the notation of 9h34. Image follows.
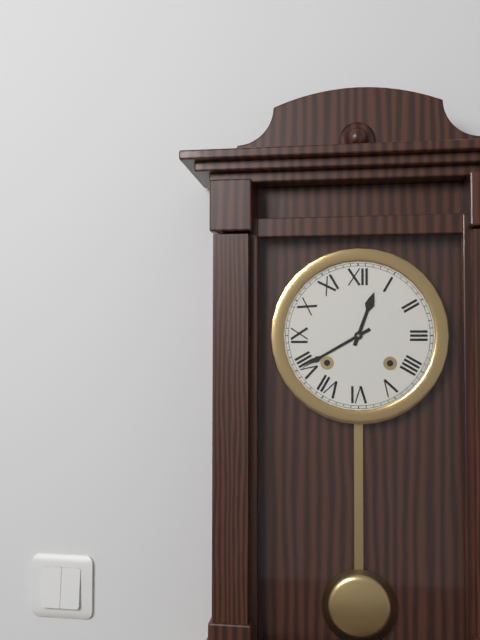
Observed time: 12h40
